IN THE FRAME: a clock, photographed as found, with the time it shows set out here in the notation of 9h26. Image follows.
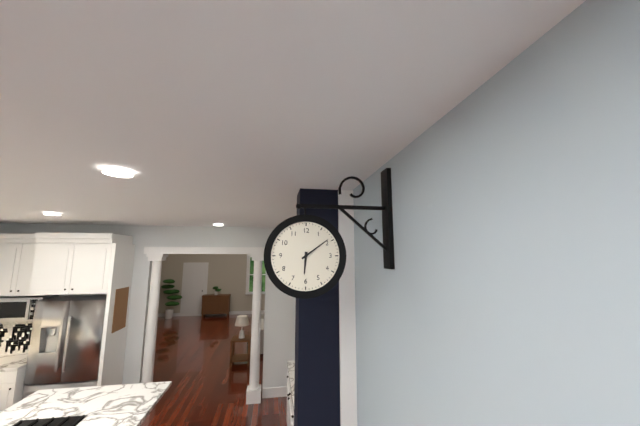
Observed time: 6h09
